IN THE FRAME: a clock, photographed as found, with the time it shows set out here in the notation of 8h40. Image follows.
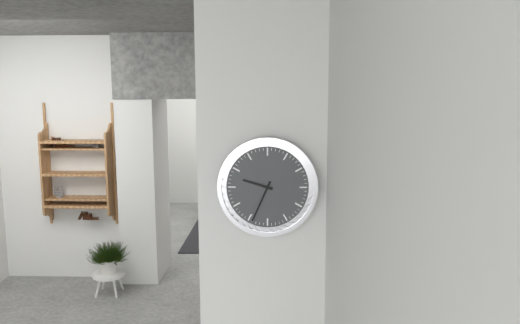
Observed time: 9h34
